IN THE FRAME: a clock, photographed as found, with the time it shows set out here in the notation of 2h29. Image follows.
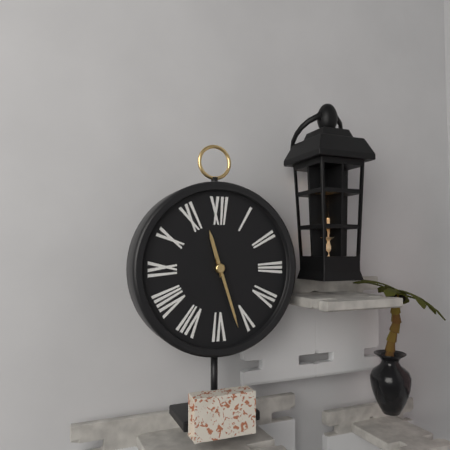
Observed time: 11h27
